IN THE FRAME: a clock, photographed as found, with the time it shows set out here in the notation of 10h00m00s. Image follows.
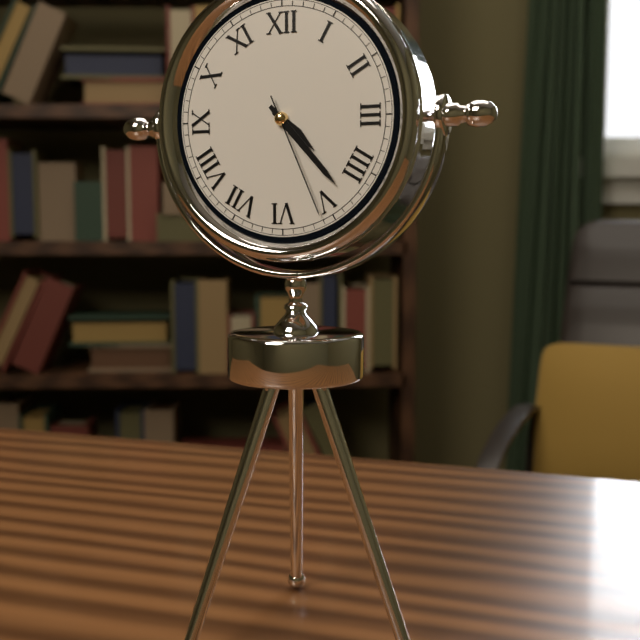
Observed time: 4h23m26s
